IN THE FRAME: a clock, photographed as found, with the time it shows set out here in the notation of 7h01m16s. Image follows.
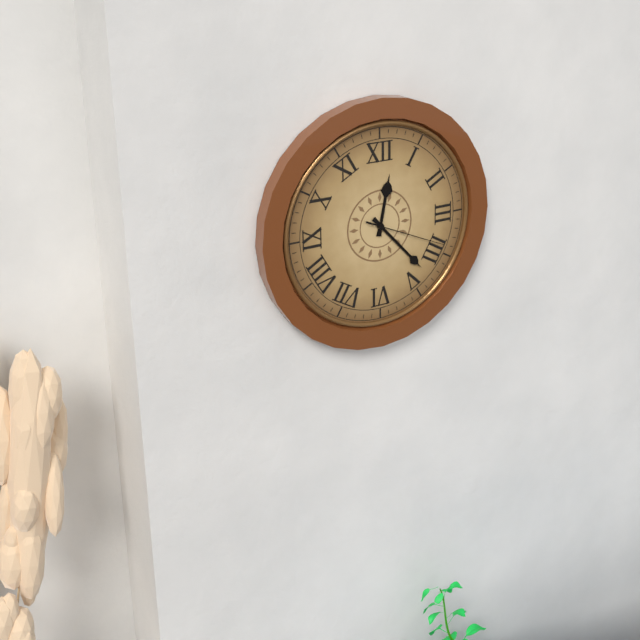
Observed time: 12h23m19s
